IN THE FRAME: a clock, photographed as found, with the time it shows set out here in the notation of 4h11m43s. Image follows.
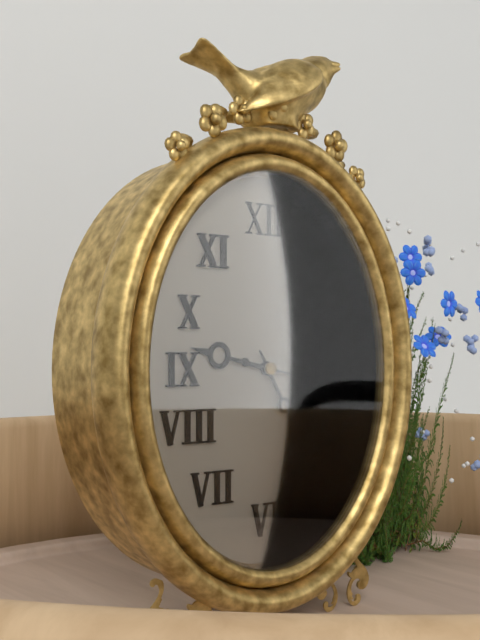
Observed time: 9h25m17s
